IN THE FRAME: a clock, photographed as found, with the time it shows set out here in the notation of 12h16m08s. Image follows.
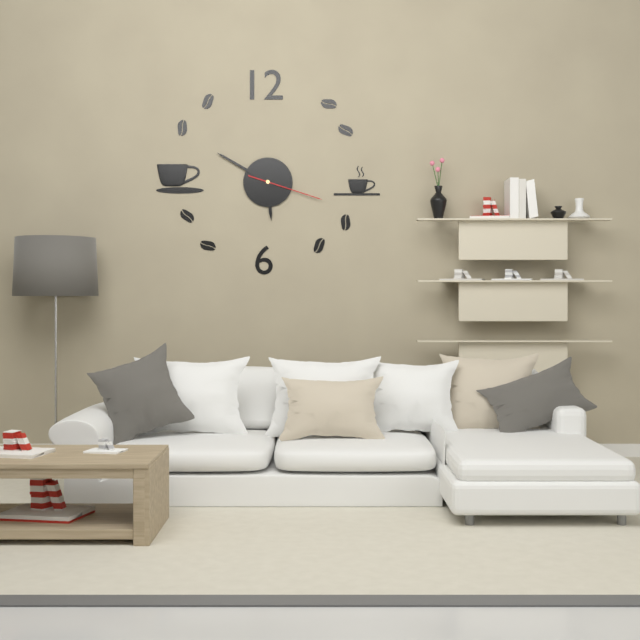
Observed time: 5h50m18s
